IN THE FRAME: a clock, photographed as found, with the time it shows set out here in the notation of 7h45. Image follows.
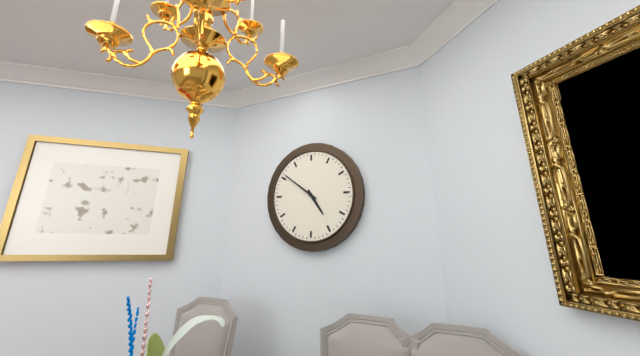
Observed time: 4h51
